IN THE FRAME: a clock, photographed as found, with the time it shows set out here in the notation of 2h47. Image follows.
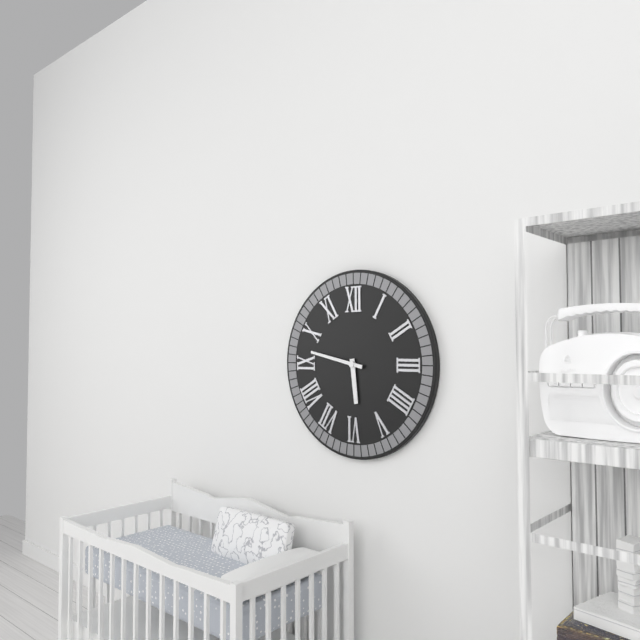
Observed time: 5h47
